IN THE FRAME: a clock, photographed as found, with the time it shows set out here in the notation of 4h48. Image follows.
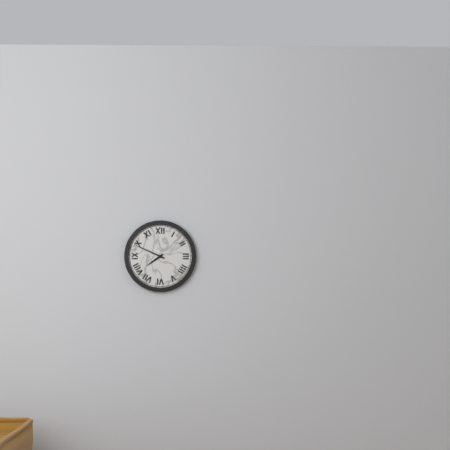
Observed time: 7h49
